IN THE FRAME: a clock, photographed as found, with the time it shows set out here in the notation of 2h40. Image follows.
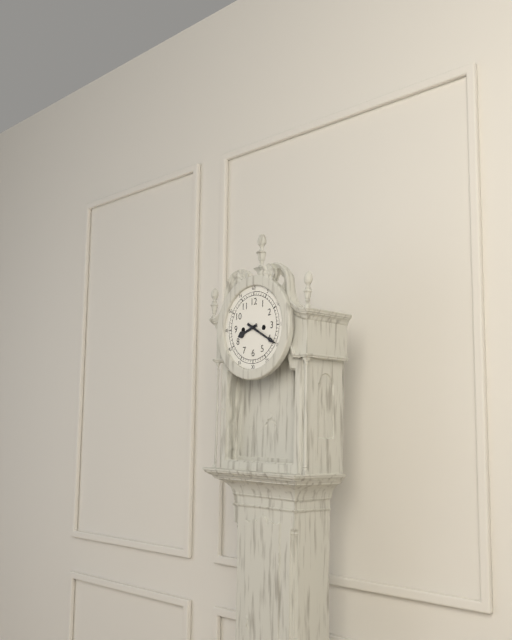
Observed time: 8h20
